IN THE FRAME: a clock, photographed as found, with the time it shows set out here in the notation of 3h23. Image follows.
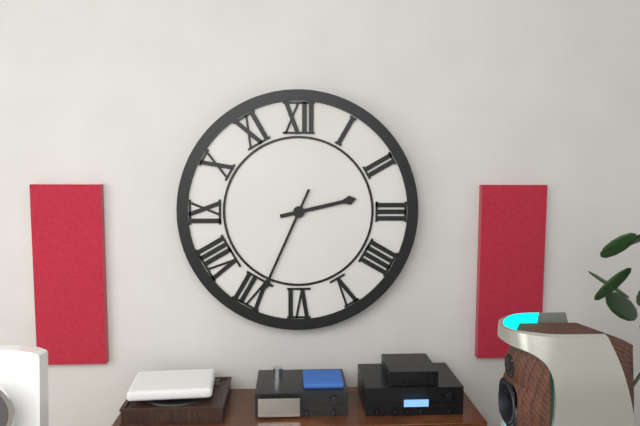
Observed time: 2h34
